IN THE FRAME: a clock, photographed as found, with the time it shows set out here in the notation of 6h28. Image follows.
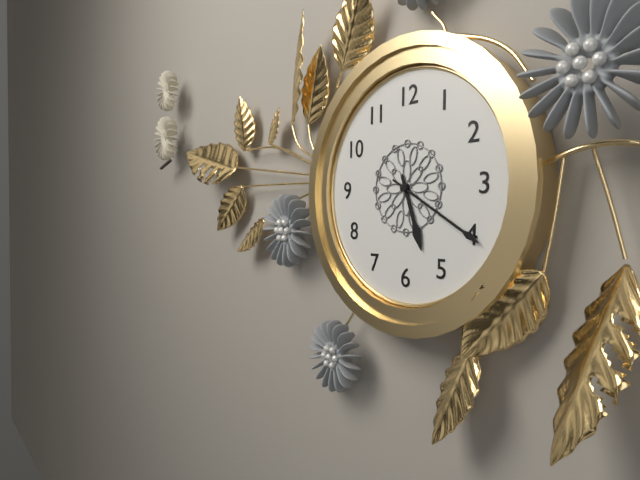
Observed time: 5h20
